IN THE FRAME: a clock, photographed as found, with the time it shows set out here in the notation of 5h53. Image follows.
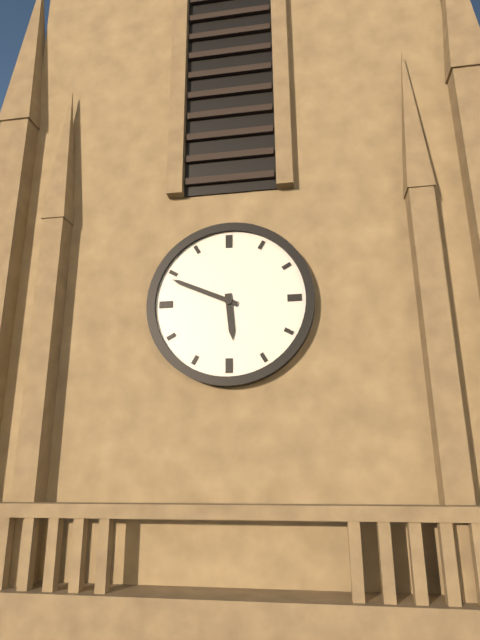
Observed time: 5h49
